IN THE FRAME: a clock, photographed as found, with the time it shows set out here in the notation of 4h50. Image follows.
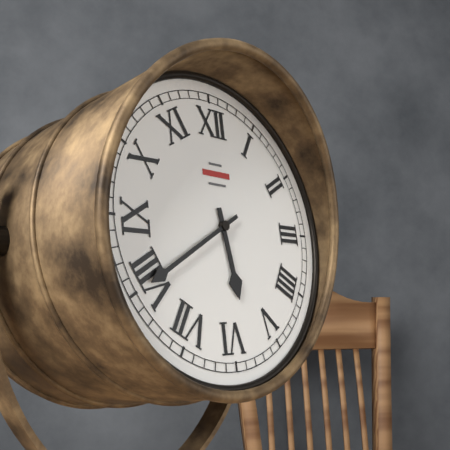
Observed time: 5h40
